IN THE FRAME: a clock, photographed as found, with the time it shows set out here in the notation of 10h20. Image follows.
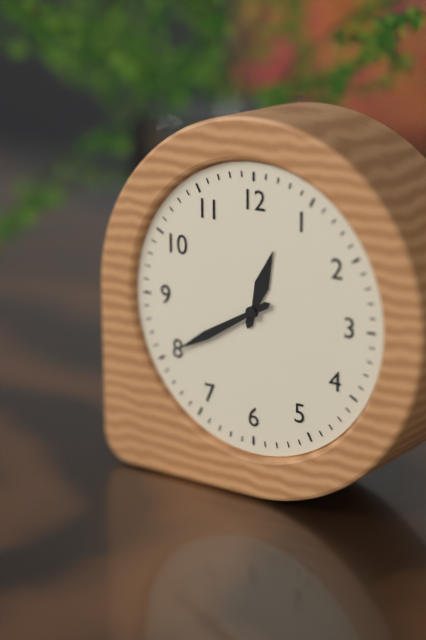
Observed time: 12h40
